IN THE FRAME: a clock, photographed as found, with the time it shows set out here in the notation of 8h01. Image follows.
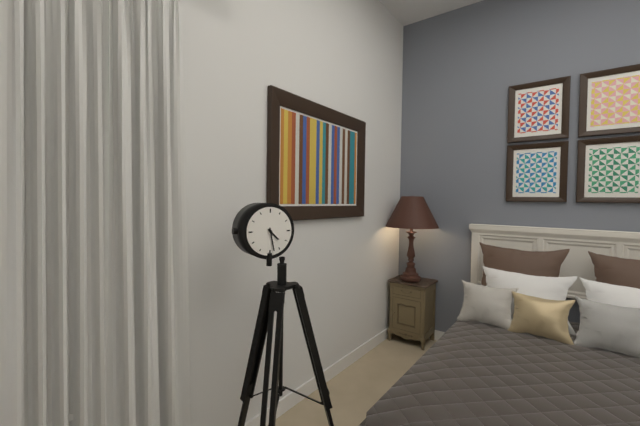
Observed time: 4h28
